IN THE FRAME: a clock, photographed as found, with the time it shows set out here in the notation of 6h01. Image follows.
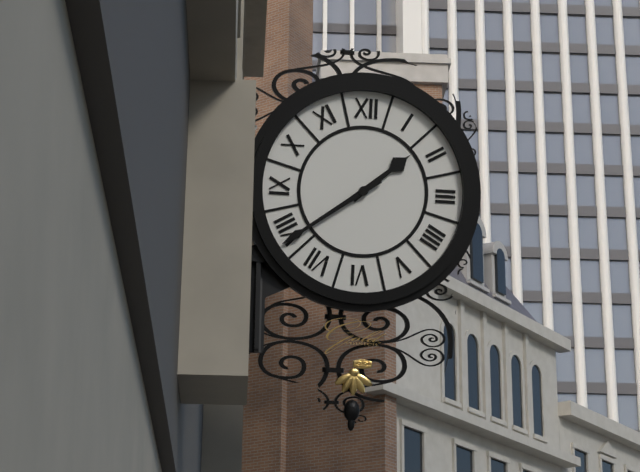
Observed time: 1h39
